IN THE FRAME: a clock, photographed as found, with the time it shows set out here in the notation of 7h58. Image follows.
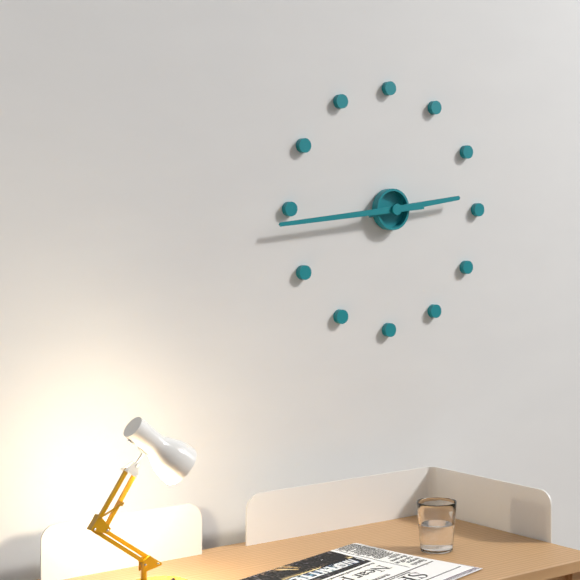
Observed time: 2h44
